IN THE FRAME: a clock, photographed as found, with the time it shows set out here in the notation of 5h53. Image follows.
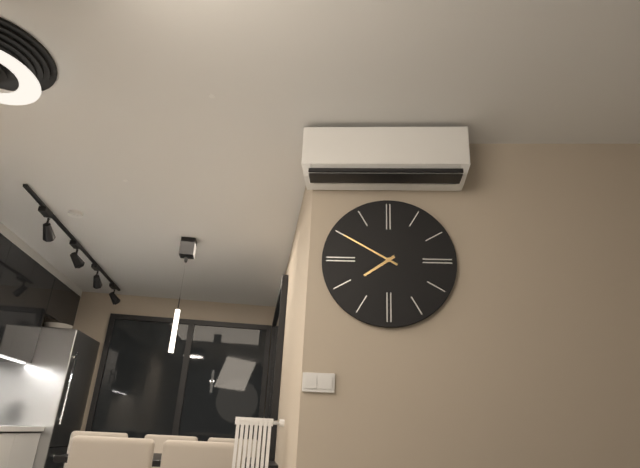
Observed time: 7h50
